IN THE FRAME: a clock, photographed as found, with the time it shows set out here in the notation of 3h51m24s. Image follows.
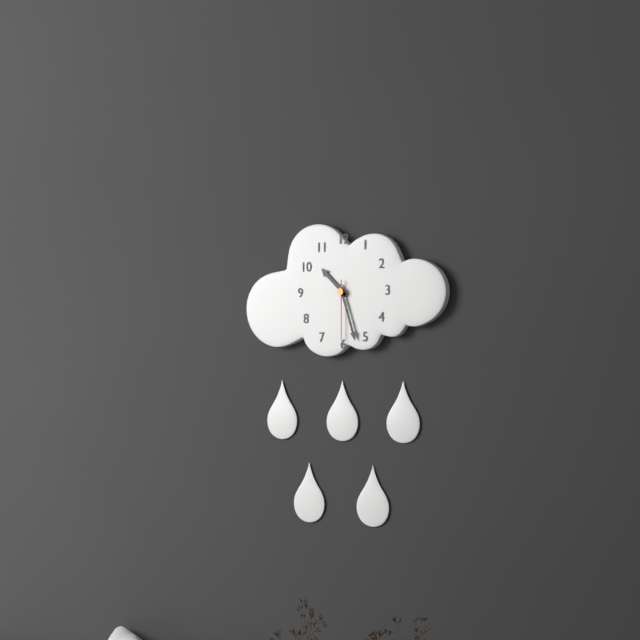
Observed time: 10h27m30s
